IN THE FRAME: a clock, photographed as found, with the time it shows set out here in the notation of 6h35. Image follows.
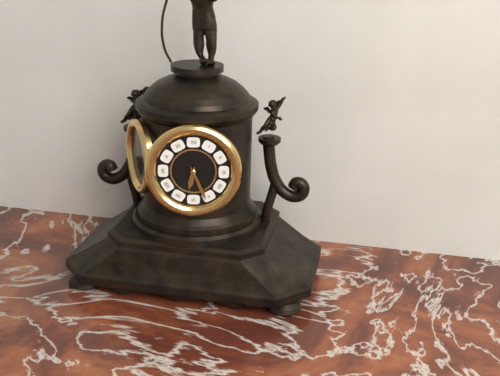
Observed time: 6h26
